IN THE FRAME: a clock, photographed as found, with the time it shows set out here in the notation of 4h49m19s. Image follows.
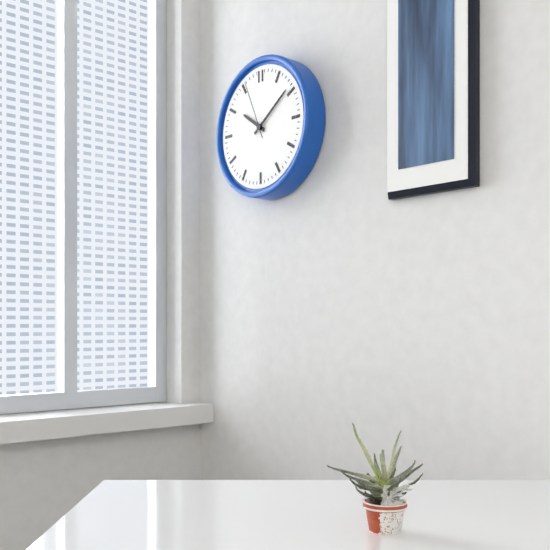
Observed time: 10h09m56s
